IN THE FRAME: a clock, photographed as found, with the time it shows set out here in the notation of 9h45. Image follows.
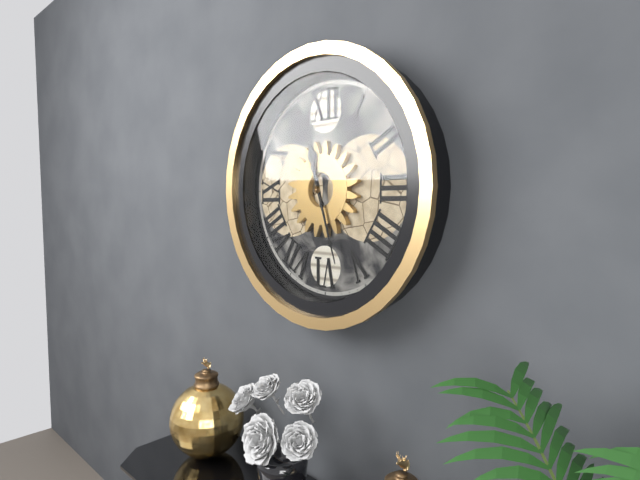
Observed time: 11h27
